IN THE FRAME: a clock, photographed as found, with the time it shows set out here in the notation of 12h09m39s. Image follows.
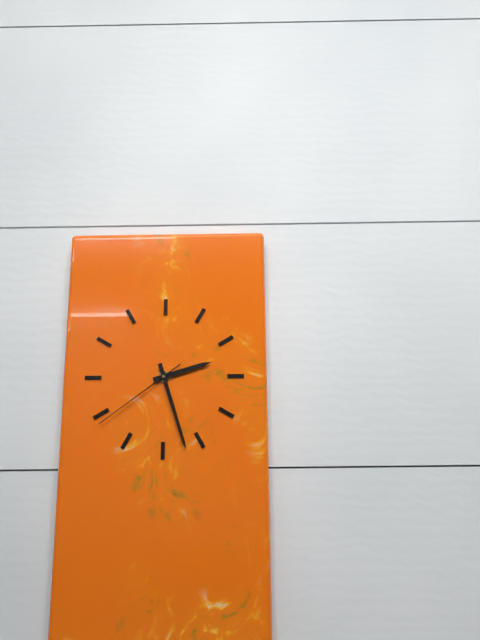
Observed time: 2h27m39s
